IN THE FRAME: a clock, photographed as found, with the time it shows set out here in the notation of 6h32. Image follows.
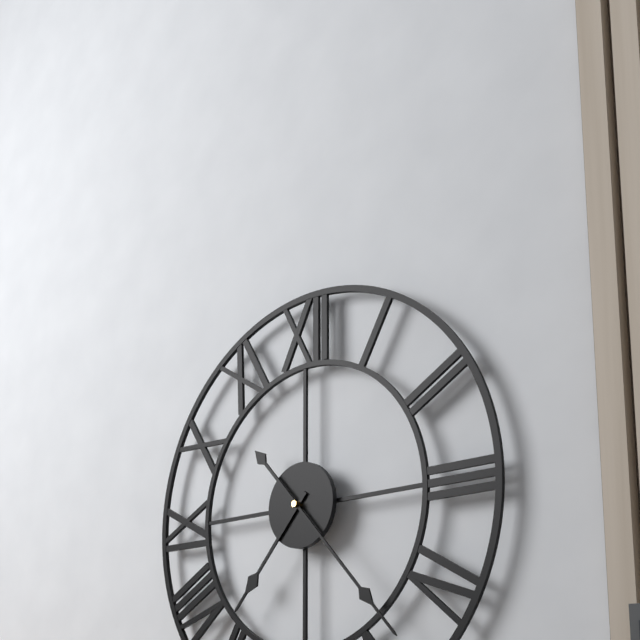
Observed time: 7h23
